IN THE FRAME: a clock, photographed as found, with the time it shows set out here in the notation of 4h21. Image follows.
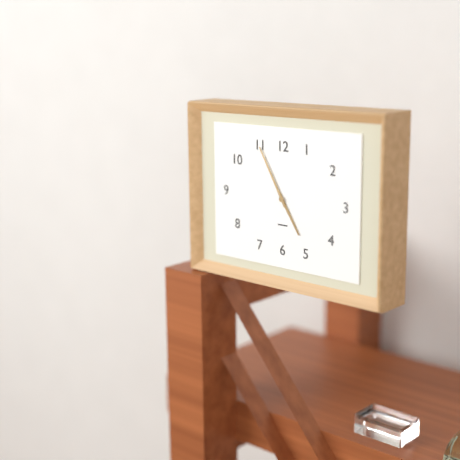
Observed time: 4h55
